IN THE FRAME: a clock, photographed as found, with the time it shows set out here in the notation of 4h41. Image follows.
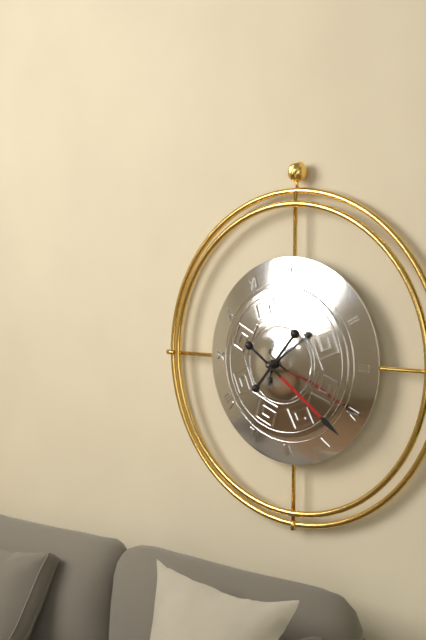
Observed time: 1h21
